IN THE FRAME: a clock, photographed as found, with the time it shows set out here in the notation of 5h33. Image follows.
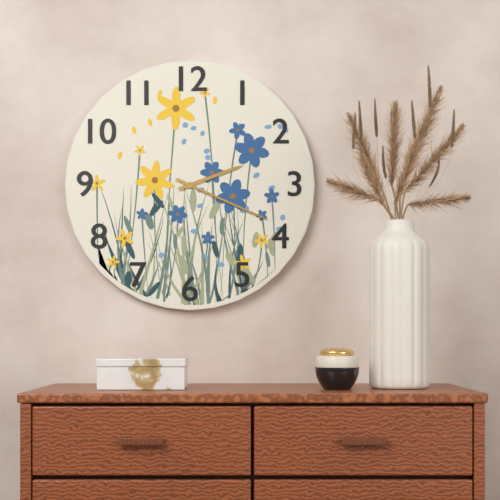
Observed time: 2h19
